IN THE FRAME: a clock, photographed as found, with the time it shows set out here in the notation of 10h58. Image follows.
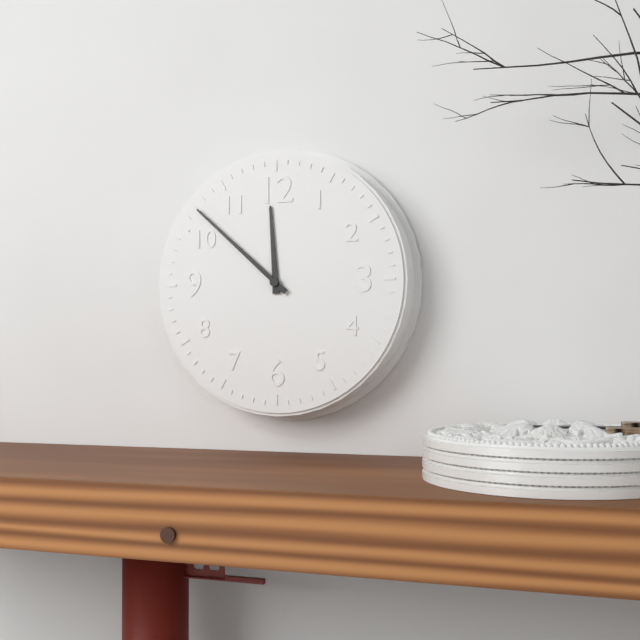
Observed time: 11h52
